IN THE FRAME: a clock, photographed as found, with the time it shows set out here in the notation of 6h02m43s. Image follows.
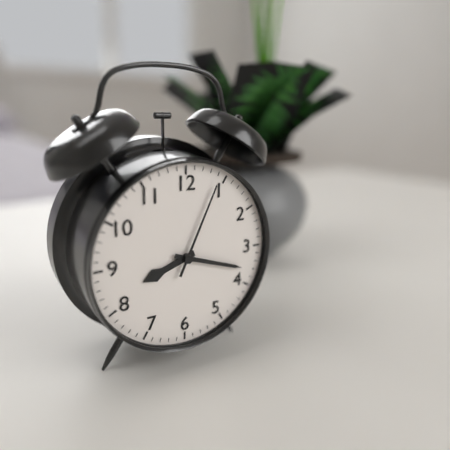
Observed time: 8h18m04s
